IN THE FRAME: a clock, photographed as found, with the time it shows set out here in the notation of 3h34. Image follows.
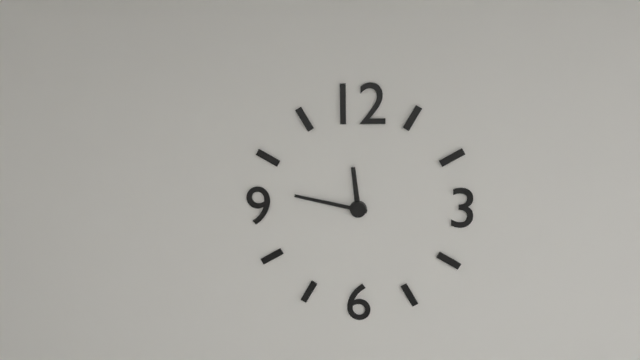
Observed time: 11h47
